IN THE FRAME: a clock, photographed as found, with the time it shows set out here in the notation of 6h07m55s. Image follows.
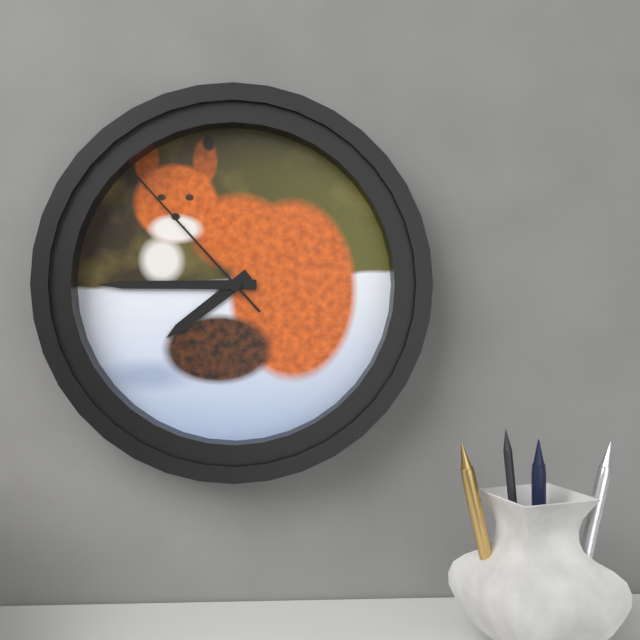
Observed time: 7h45m53s
